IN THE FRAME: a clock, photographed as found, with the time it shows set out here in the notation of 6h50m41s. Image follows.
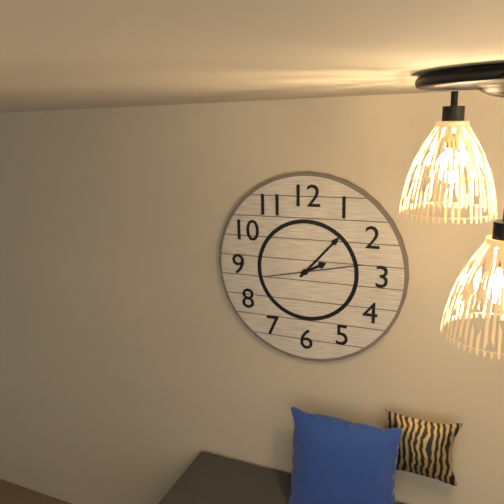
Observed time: 2h07m13s
